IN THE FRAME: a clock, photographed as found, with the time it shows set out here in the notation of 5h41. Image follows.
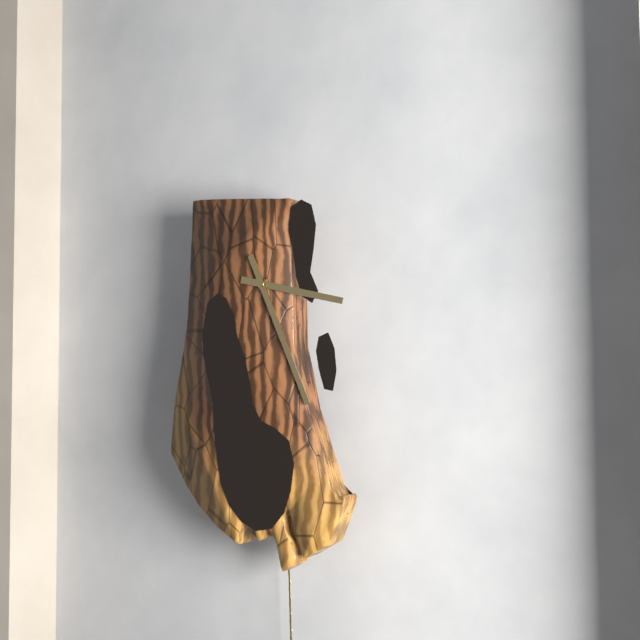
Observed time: 3h26
